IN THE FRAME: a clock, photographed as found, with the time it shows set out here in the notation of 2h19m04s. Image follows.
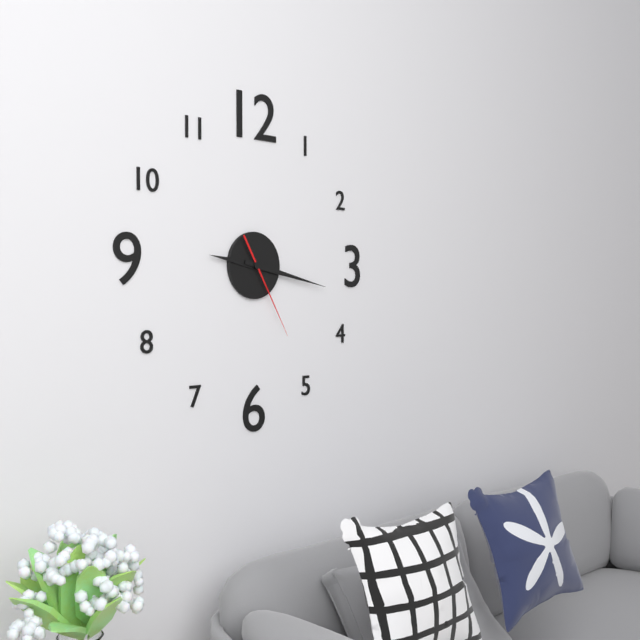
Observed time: 9h17m25s
